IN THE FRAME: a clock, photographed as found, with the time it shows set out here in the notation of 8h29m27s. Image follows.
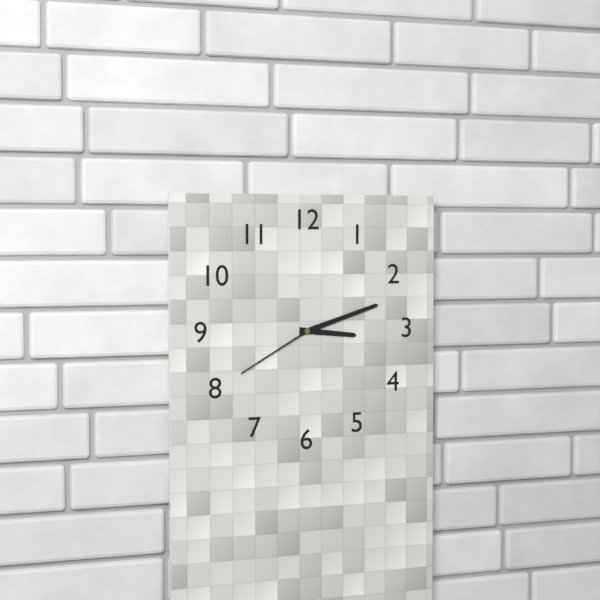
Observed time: 3h12m40s
